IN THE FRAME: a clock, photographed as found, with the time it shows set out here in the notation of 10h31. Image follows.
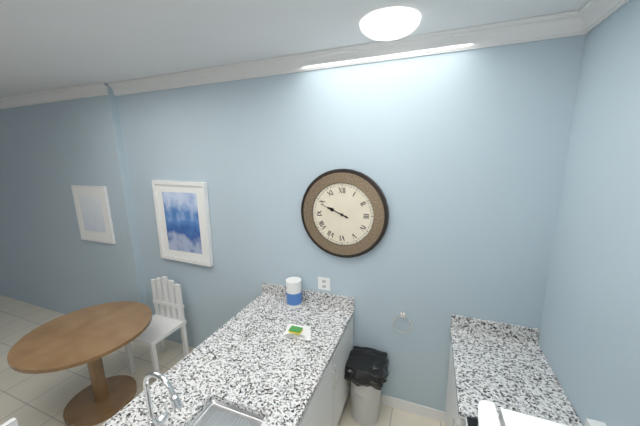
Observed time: 9h49
